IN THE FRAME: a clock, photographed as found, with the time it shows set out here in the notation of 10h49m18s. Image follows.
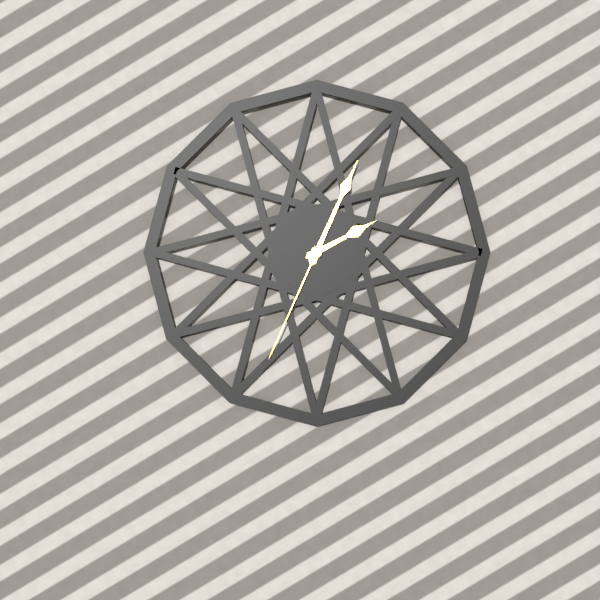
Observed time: 2h04m34s
